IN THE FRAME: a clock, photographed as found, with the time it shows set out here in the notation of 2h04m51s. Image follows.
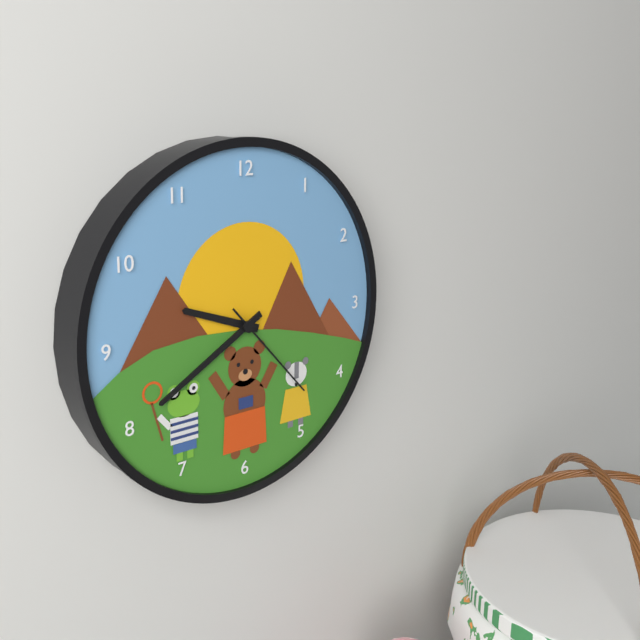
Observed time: 9h40m23s
